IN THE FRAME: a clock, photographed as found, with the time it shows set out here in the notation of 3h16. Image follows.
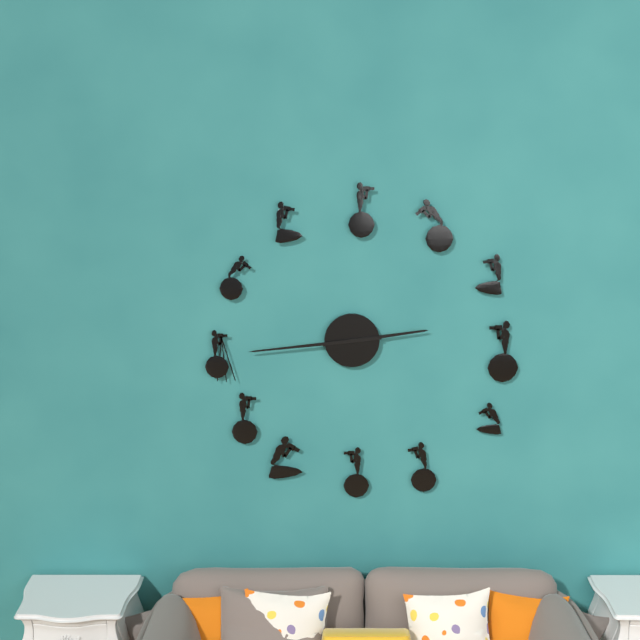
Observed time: 2h44
